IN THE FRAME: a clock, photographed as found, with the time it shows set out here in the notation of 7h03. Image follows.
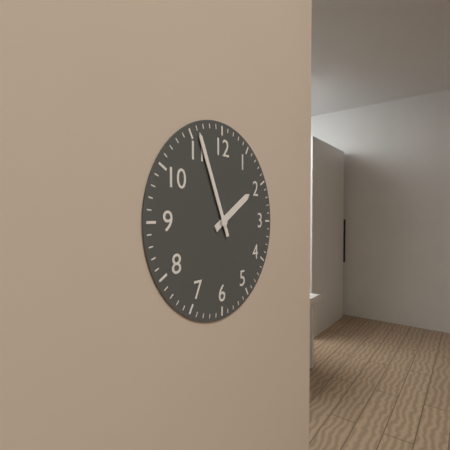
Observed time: 1h56
